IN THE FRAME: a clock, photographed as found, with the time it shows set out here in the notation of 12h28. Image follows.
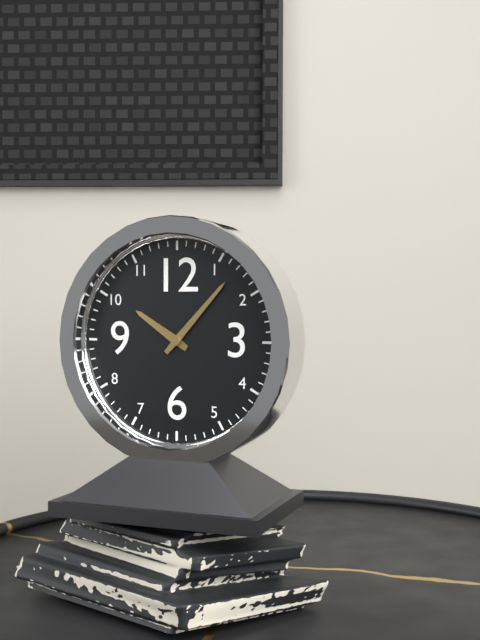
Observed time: 10h07
